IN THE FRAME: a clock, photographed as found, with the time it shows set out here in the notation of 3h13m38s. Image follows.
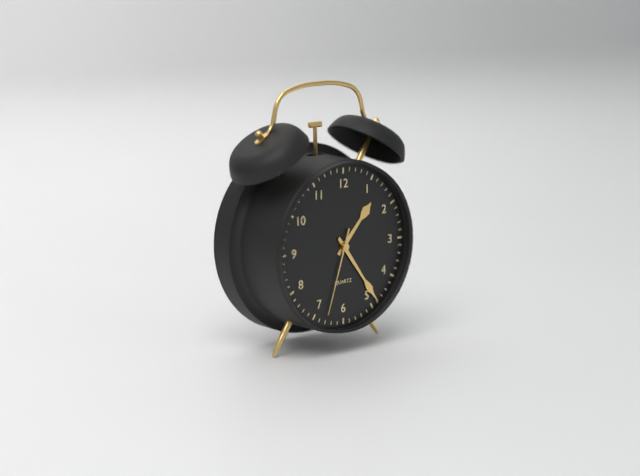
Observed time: 1h24m33s
